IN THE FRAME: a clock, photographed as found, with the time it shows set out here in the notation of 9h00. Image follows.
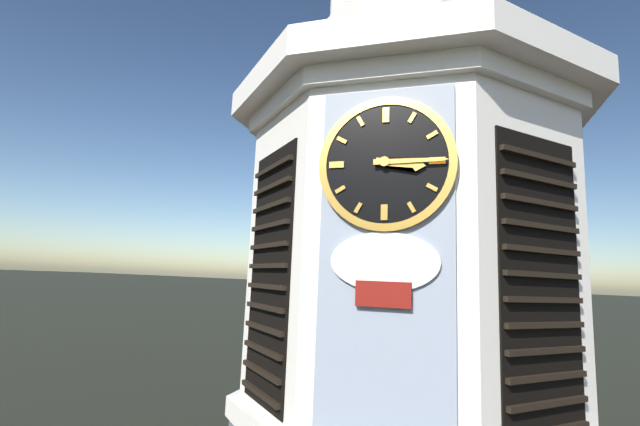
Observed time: 3h15
